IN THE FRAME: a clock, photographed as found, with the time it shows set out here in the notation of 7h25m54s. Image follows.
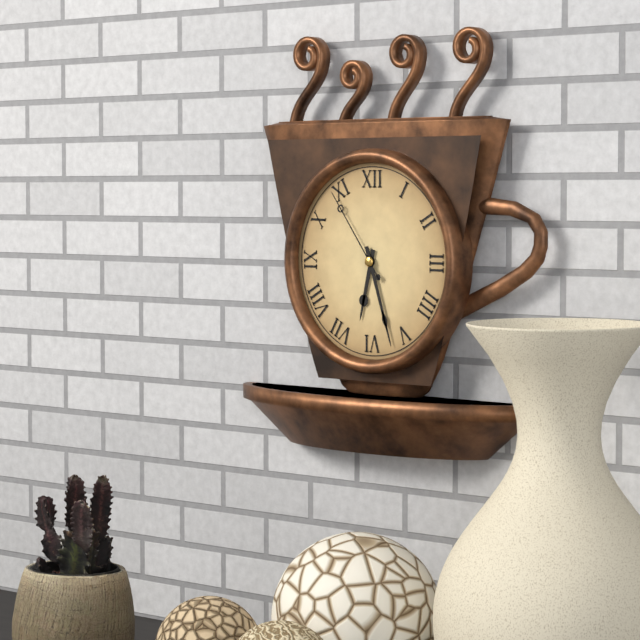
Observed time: 6h27m54s
